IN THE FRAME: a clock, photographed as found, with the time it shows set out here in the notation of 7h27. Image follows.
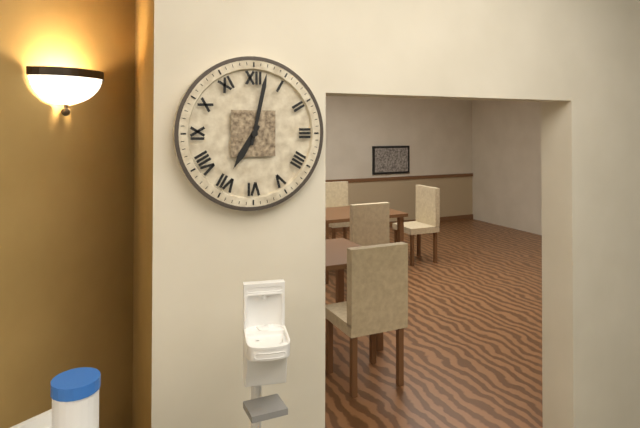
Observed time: 7h02
